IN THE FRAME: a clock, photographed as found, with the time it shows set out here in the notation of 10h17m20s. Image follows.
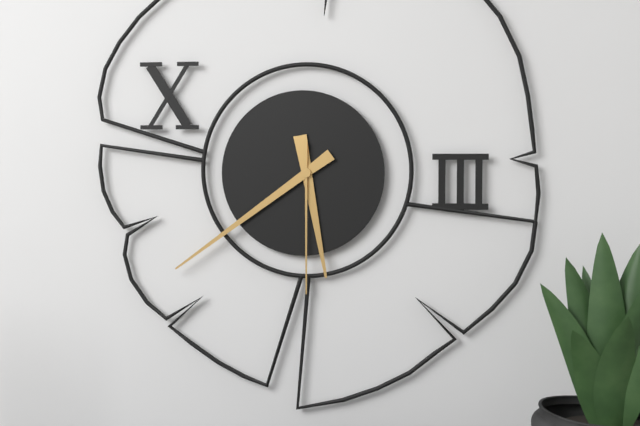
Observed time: 5h39m30s
